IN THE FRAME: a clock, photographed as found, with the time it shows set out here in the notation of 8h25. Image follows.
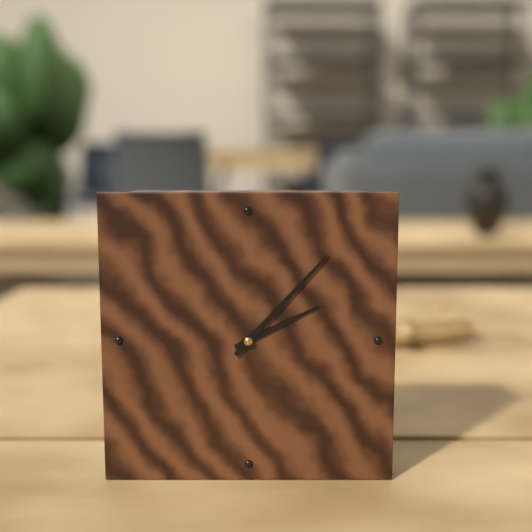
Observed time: 2h07
